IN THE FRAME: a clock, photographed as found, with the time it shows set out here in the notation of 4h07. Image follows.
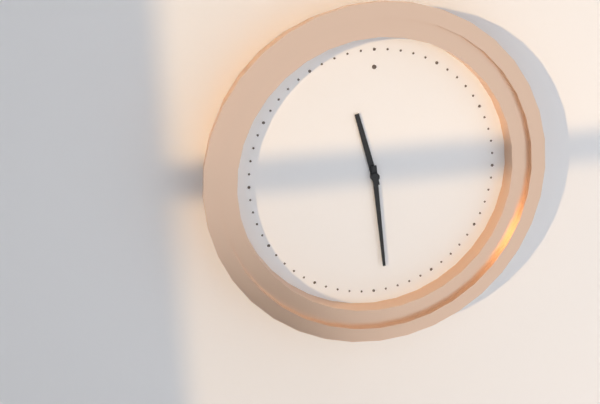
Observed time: 11h29
